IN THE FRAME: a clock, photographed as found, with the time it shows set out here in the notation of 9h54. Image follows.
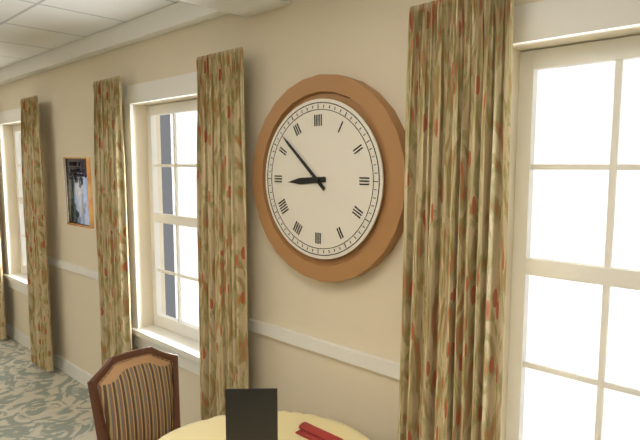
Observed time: 8h52
